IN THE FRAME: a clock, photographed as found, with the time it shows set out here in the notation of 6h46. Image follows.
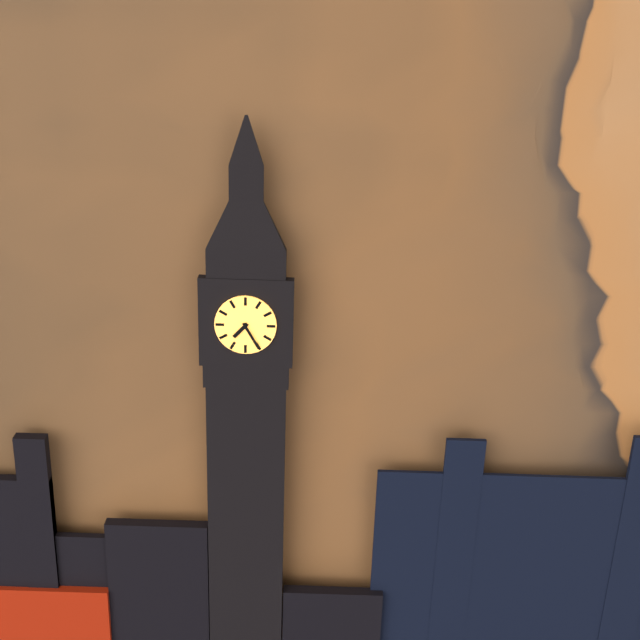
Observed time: 7h25
